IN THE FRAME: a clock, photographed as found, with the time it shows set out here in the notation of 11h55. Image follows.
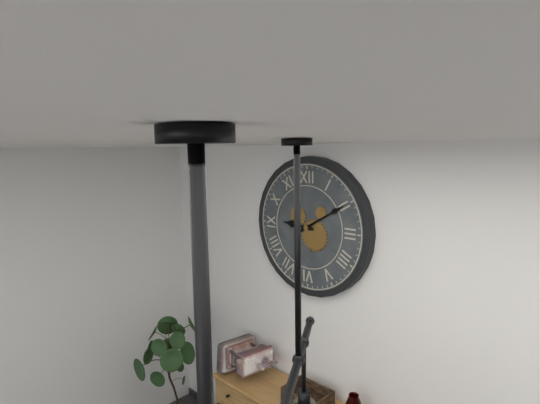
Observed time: 9h10
